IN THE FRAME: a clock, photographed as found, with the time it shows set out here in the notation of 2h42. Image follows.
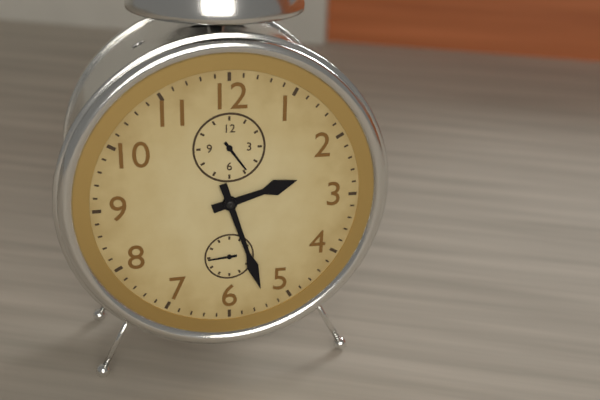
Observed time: 2h27
